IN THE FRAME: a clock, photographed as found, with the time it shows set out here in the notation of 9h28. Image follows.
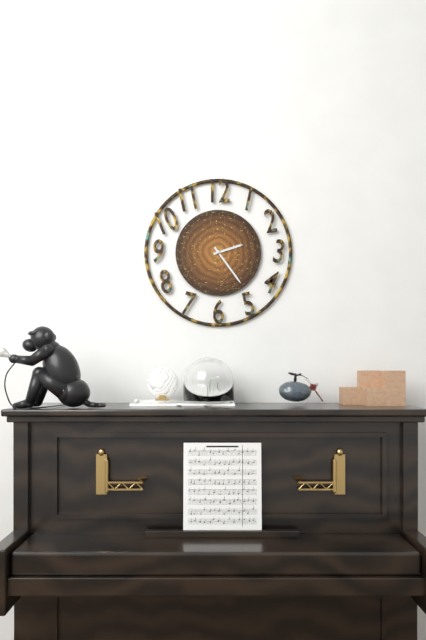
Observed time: 2h24
